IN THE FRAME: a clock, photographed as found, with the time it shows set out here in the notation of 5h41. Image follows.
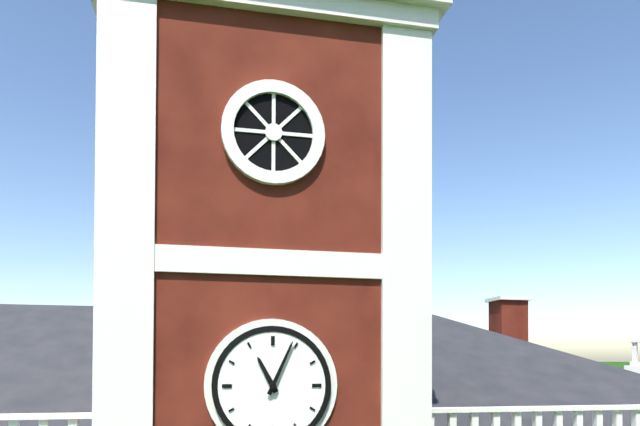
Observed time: 11h04
